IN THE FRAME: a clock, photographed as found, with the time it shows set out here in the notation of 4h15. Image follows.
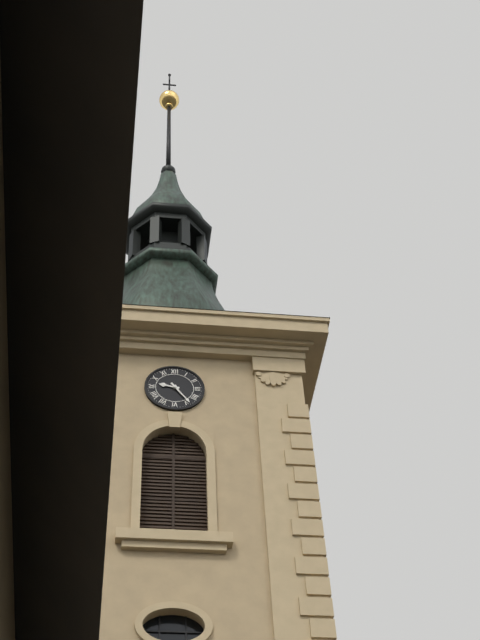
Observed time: 9h24
